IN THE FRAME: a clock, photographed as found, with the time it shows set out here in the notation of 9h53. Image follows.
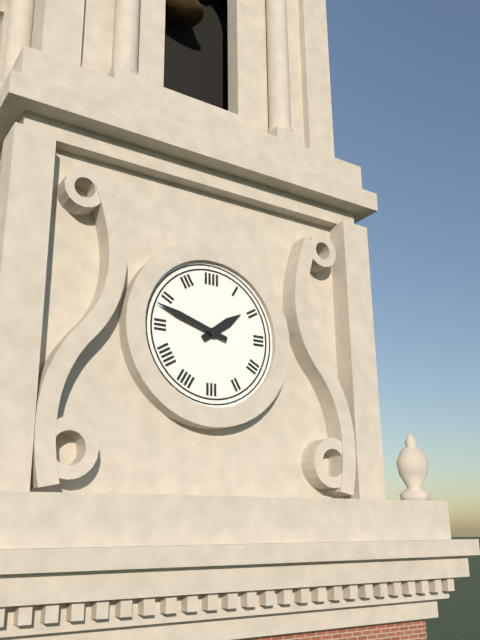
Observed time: 1h48
